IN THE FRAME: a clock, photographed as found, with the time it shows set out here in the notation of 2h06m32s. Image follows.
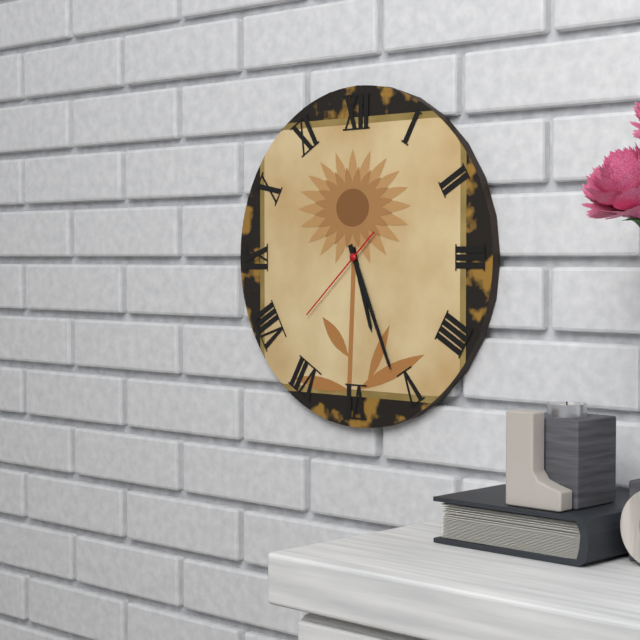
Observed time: 5h26m38s
